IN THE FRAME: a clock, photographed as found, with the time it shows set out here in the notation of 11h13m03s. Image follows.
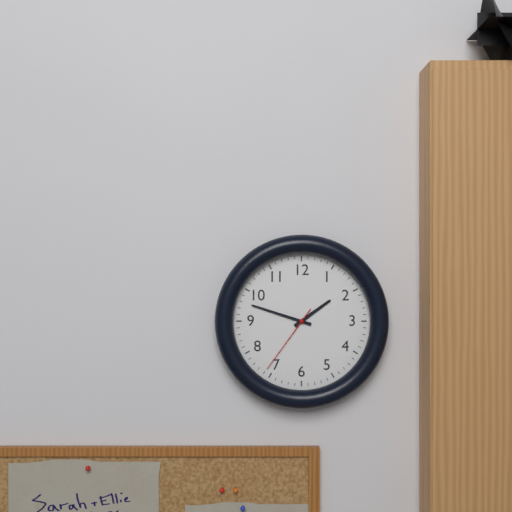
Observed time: 1h48m36s
